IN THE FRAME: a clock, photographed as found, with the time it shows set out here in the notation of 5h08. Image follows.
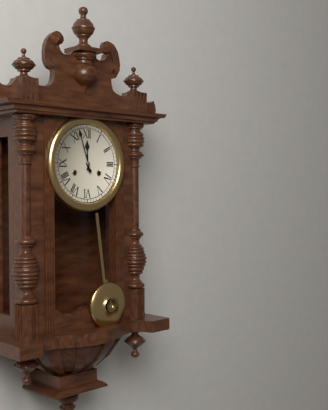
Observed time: 11h57
